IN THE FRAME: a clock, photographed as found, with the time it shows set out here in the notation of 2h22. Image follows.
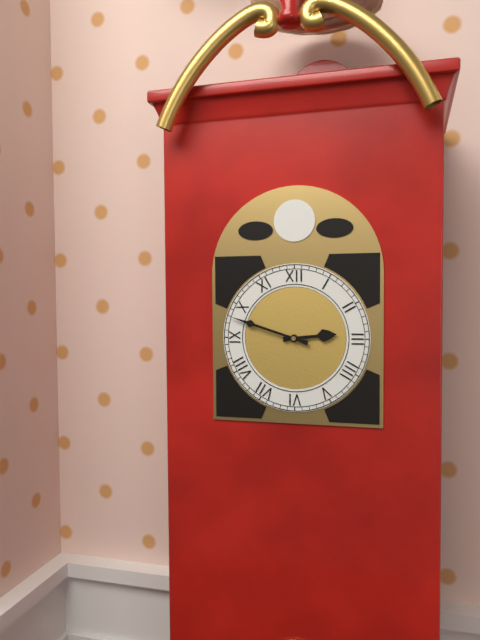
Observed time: 2h48
